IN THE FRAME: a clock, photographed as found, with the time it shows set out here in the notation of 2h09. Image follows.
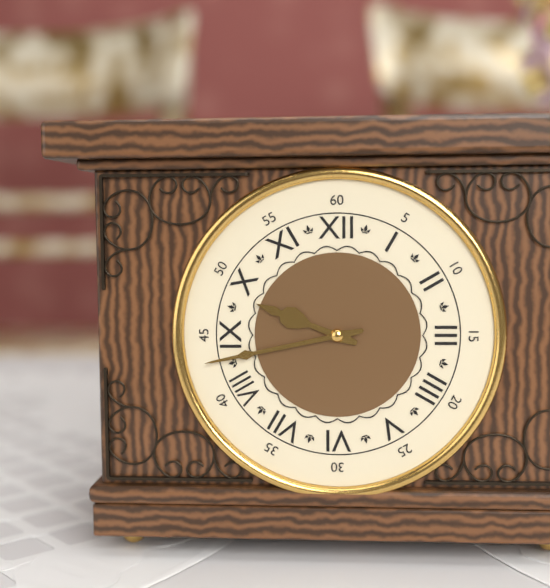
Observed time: 9h43
